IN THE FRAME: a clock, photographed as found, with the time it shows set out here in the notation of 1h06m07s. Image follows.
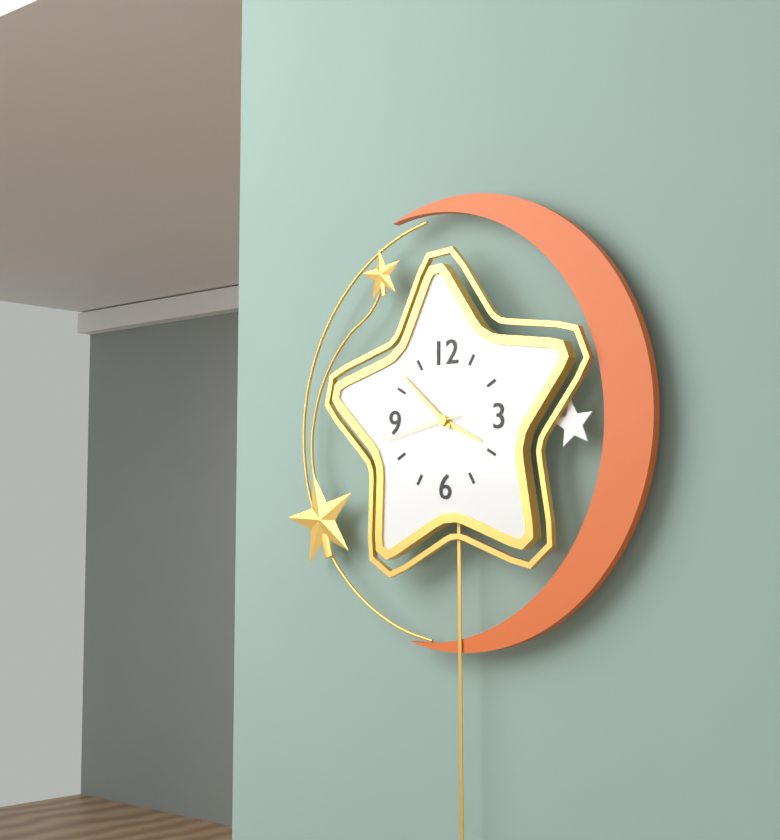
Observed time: 3h52m43s
